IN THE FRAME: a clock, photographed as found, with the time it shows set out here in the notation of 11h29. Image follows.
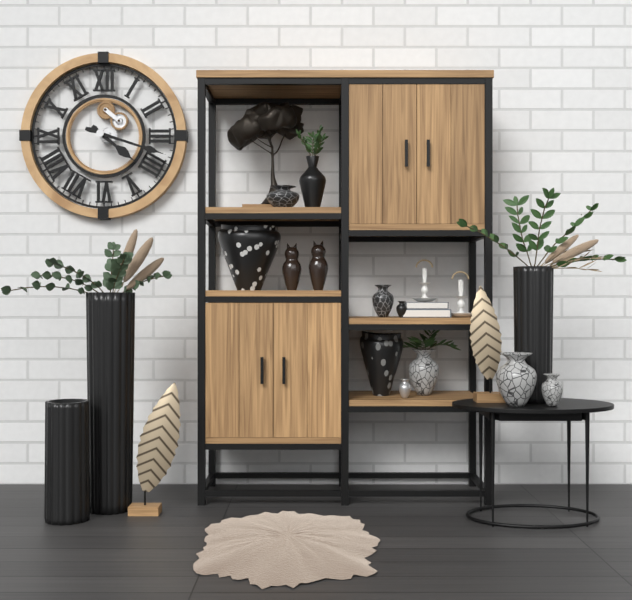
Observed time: 4h18
